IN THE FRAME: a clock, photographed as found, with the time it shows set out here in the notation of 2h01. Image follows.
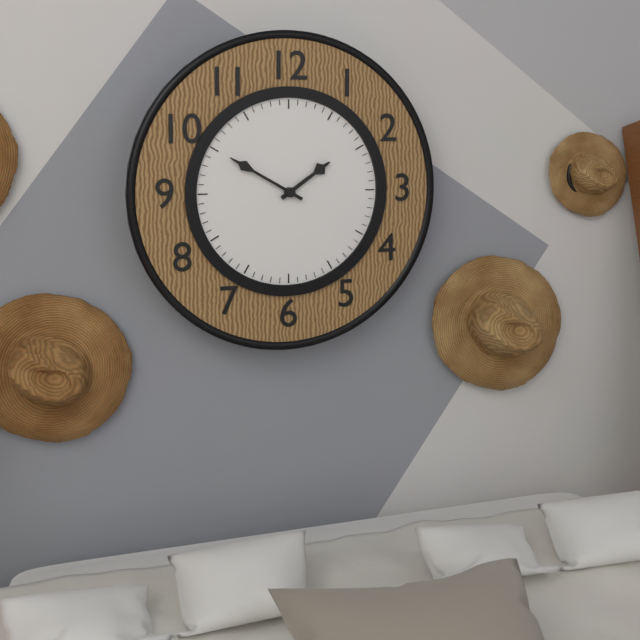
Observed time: 1h50
